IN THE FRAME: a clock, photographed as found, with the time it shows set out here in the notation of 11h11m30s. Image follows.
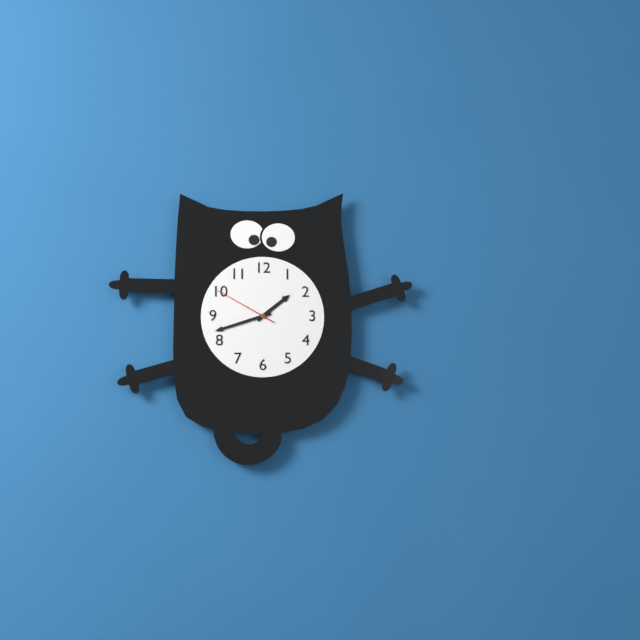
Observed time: 1h42m50s
